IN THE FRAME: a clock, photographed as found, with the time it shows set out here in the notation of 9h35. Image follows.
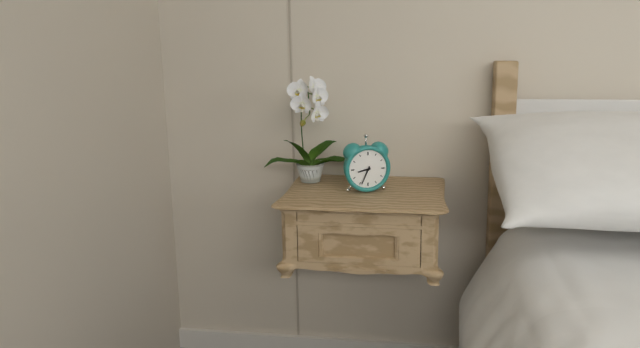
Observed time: 8h34
